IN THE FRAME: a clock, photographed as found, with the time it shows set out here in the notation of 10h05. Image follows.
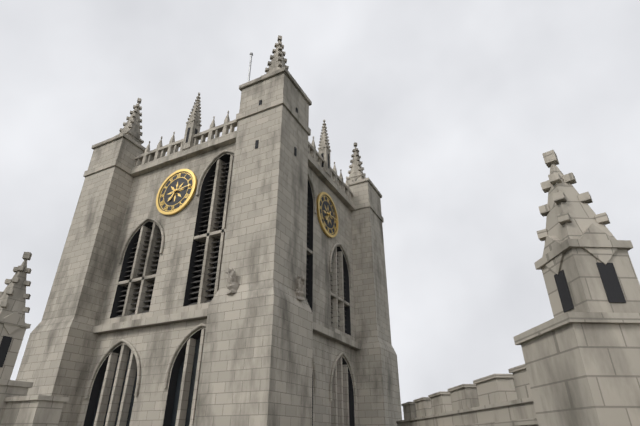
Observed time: 7h14
